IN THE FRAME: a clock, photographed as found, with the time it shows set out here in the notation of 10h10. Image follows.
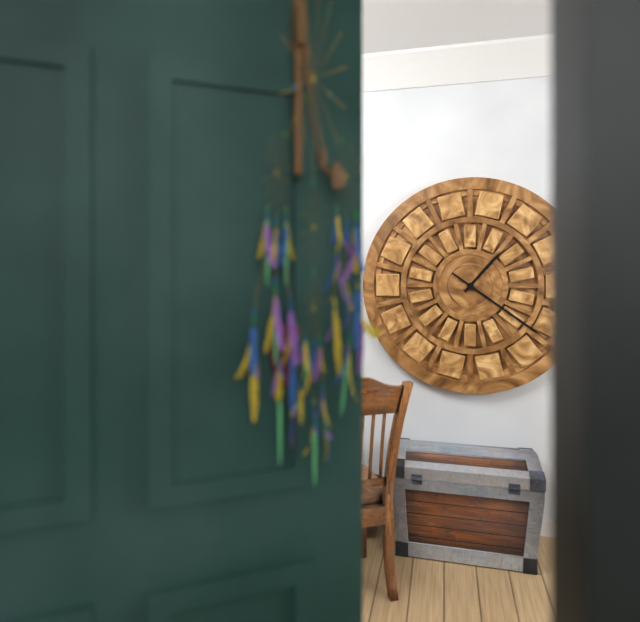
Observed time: 1h21
